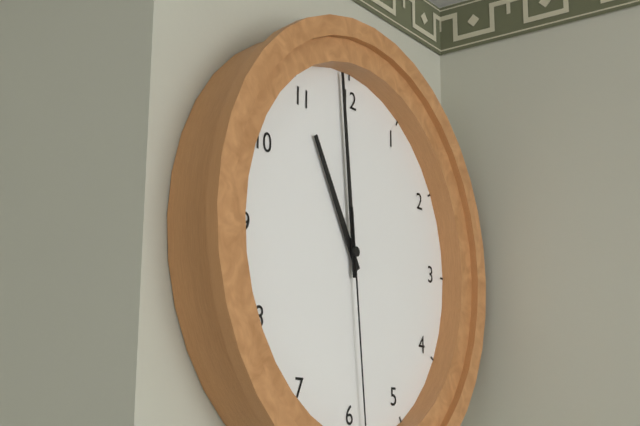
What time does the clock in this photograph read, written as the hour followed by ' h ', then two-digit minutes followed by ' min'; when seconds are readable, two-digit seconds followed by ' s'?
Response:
10 h 59 min
